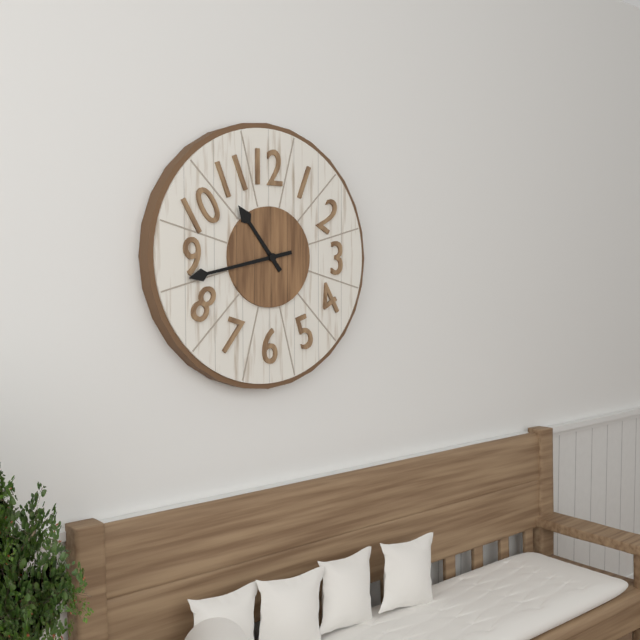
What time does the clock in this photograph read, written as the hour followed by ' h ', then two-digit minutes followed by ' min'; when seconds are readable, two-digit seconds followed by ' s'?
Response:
10 h 43 min
